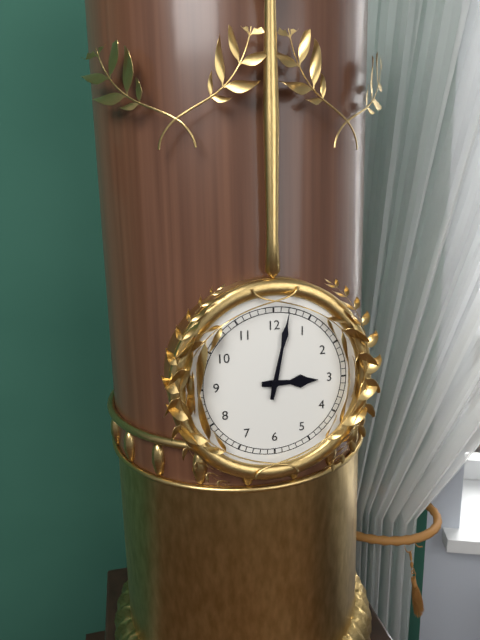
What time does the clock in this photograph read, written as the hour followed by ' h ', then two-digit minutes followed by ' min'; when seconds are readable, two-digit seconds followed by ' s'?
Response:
3 h 02 min
